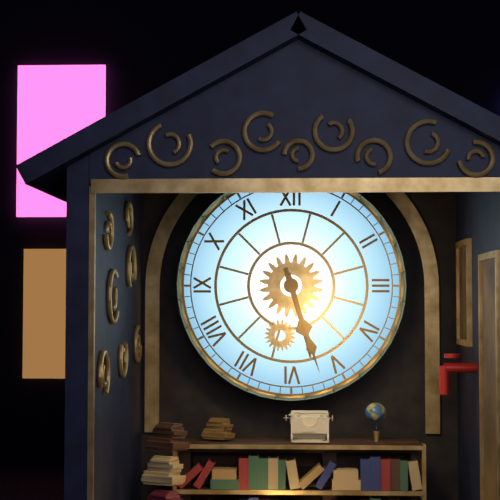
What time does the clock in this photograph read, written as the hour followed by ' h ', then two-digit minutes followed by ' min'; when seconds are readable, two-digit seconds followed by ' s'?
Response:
5 h 27 min
